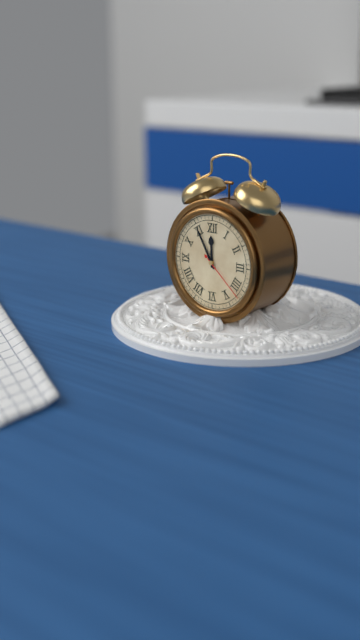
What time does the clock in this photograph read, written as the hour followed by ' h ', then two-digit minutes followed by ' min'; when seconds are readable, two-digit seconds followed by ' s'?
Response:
11 h 55 min 22 s
